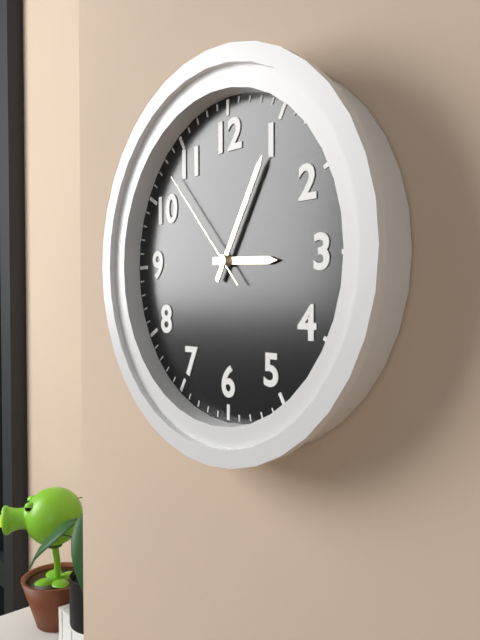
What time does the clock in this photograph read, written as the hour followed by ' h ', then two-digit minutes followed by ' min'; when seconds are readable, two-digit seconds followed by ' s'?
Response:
3 h 05 min 53 s
